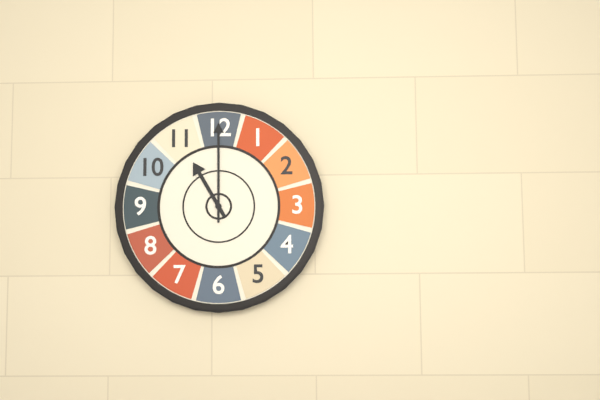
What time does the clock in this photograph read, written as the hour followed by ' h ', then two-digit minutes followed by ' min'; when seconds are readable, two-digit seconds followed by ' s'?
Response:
11 h 00 min
